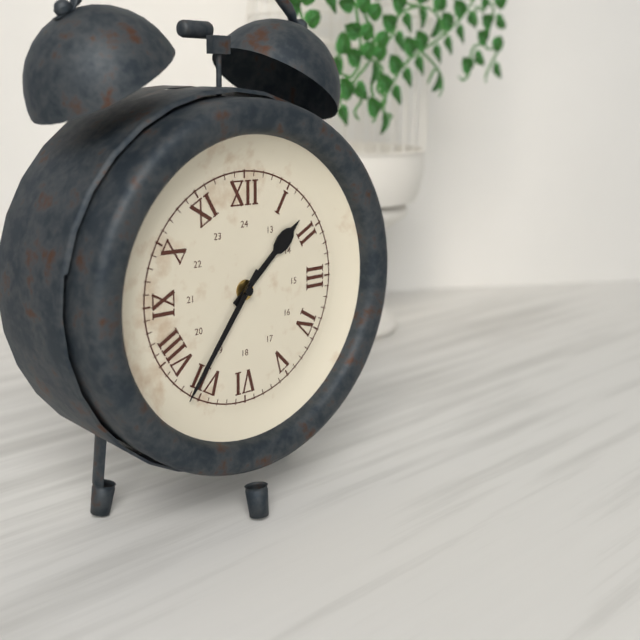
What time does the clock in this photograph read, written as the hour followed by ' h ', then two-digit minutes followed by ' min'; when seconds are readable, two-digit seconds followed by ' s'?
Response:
1 h 36 min
